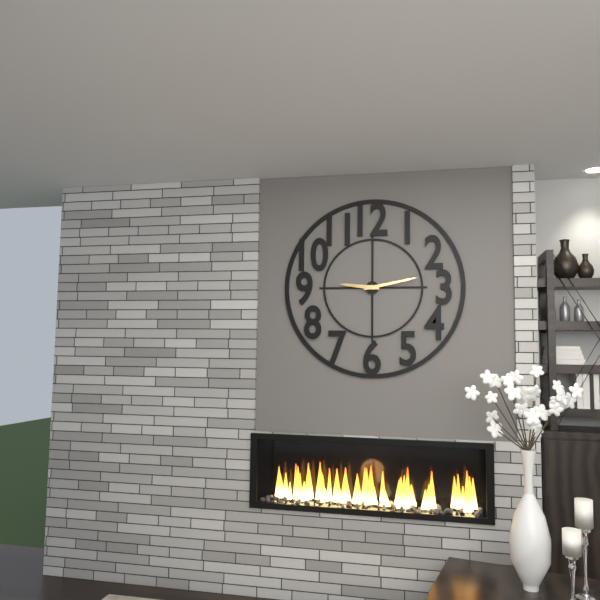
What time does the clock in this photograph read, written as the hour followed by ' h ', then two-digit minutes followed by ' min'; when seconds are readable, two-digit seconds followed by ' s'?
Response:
9 h 13 min
